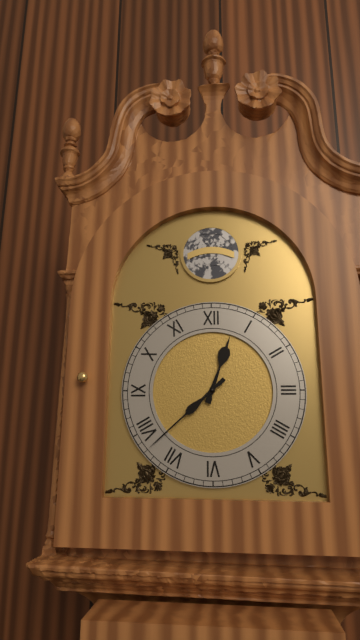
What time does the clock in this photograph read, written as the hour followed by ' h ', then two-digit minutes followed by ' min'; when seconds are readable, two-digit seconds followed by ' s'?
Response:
12 h 38 min
